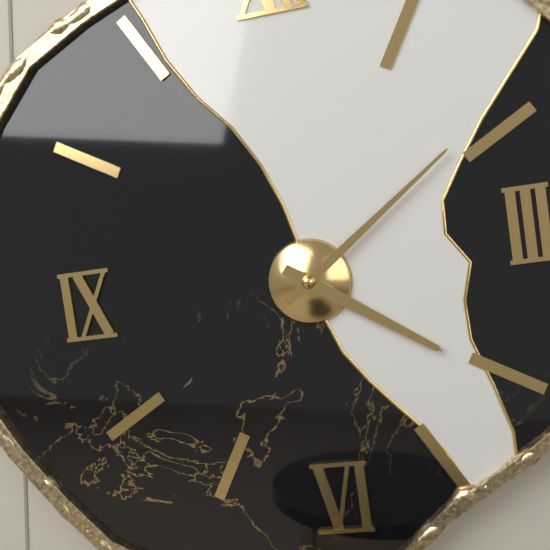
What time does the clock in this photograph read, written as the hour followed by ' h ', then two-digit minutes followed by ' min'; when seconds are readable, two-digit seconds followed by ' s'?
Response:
4 h 09 min
